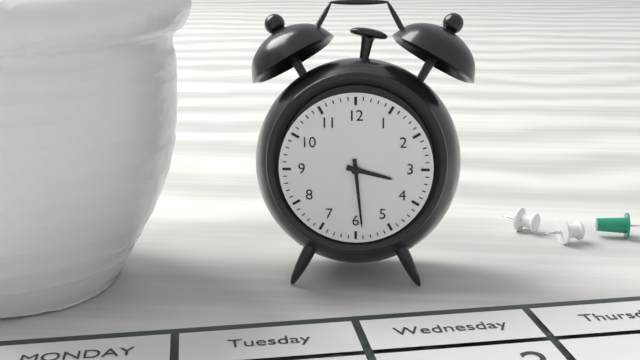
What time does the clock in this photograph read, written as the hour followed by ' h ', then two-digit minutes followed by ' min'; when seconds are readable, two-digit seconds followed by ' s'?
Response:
3 h 29 min
